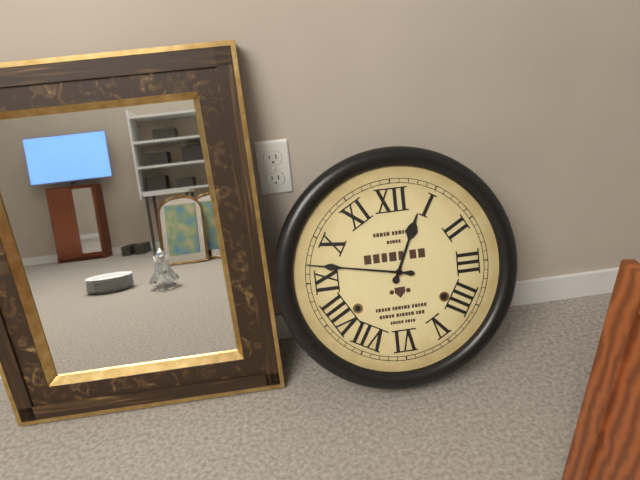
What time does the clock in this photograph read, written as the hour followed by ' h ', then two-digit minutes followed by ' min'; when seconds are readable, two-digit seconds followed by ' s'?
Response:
12 h 47 min
